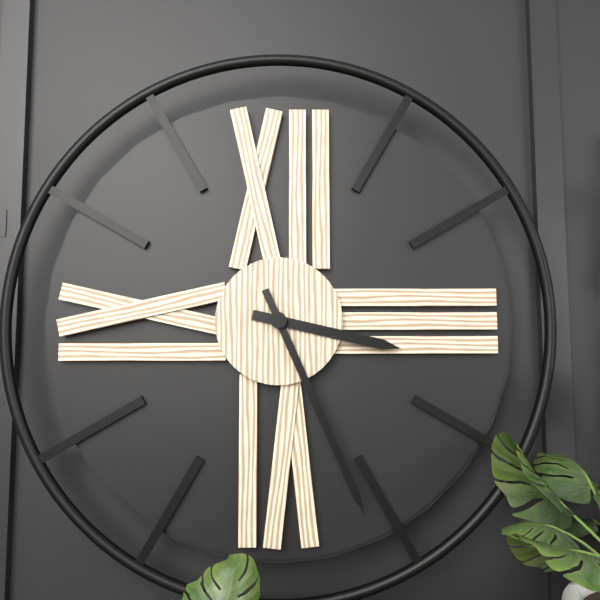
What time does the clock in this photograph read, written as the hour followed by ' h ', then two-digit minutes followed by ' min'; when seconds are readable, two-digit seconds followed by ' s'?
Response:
3 h 26 min
